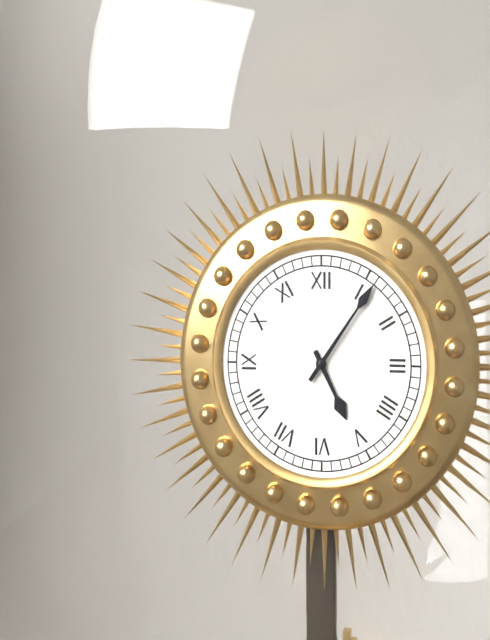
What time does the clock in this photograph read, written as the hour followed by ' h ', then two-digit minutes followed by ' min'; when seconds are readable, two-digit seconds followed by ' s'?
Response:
5 h 06 min
